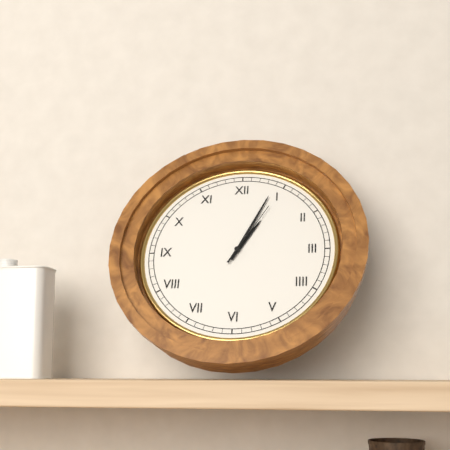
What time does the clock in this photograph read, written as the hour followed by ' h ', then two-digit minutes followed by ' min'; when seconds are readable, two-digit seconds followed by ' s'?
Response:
1 h 04 min 05 s
